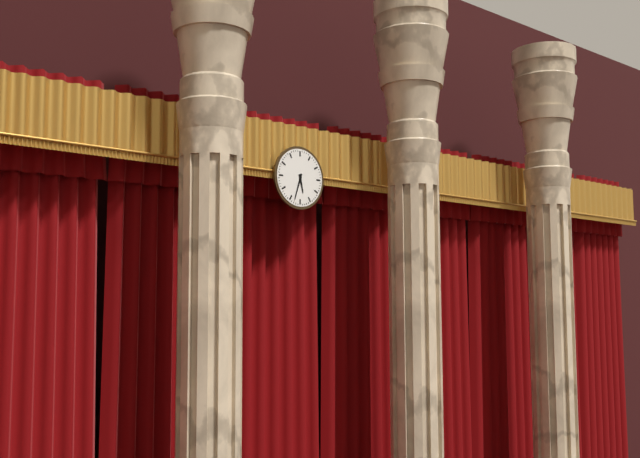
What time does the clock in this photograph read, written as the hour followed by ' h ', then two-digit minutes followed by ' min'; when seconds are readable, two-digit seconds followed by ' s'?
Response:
5 h 33 min
